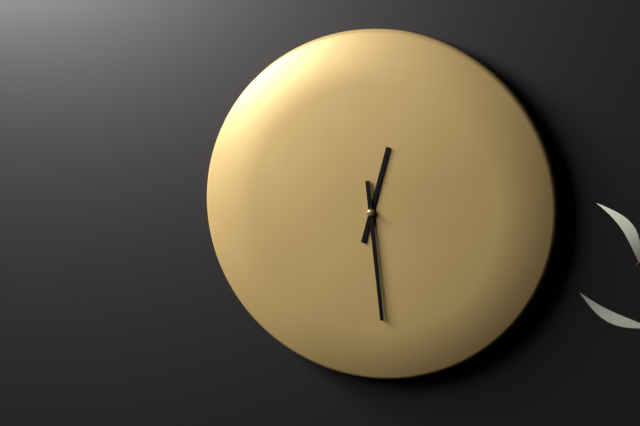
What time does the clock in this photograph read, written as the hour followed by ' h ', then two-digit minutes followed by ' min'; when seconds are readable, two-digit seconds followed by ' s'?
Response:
12 h 29 min
